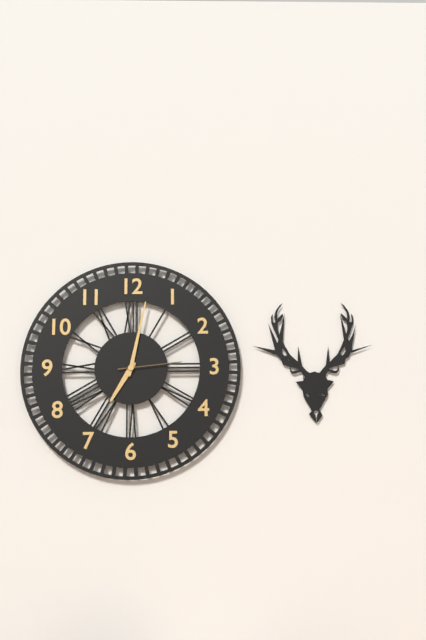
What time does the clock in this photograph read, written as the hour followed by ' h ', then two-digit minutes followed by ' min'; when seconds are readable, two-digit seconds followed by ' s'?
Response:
7 h 02 min 14 s
